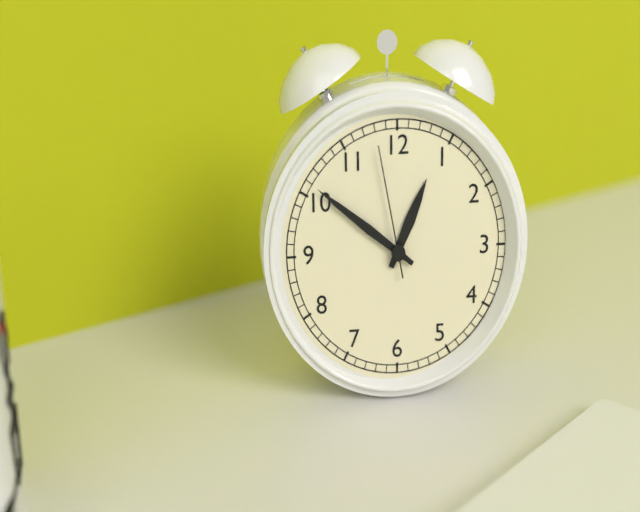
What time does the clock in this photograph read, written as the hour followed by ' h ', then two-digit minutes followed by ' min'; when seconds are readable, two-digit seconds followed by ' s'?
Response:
12 h 51 min 58 s
